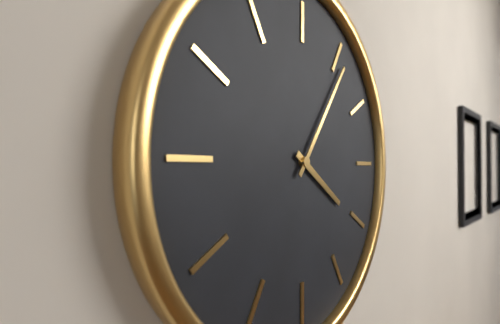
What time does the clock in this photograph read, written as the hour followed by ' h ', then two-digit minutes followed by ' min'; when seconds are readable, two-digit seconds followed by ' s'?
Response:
4 h 06 min
